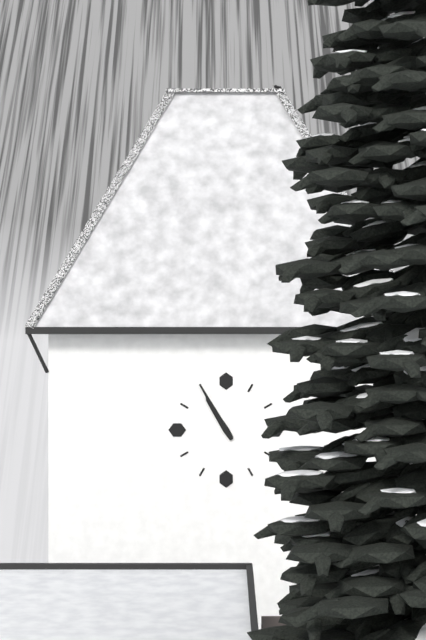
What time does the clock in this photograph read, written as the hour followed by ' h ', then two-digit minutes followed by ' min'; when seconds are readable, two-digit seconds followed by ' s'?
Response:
10 h 55 min
